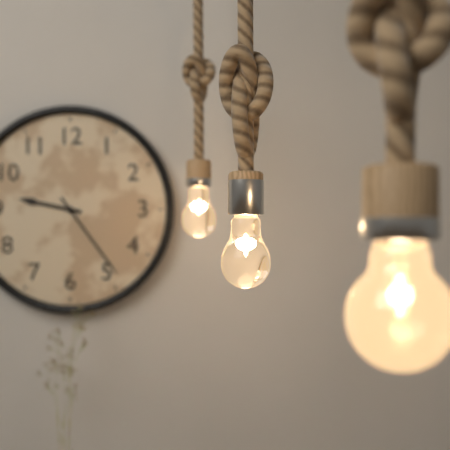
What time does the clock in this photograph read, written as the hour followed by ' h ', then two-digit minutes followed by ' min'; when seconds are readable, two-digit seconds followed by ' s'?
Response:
9 h 24 min
